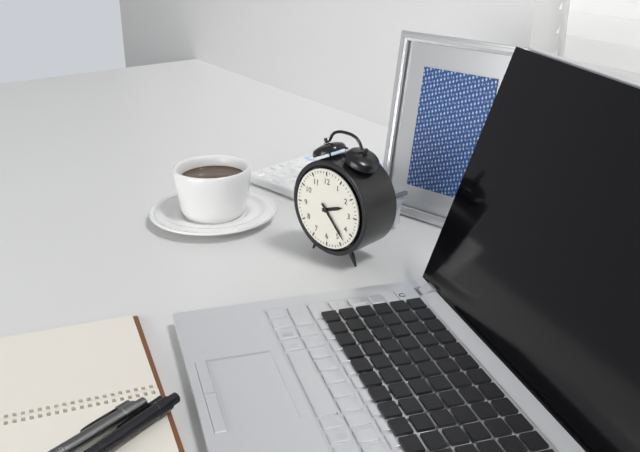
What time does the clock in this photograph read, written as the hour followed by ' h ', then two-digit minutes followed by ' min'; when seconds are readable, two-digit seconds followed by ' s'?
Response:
2 h 23 min
